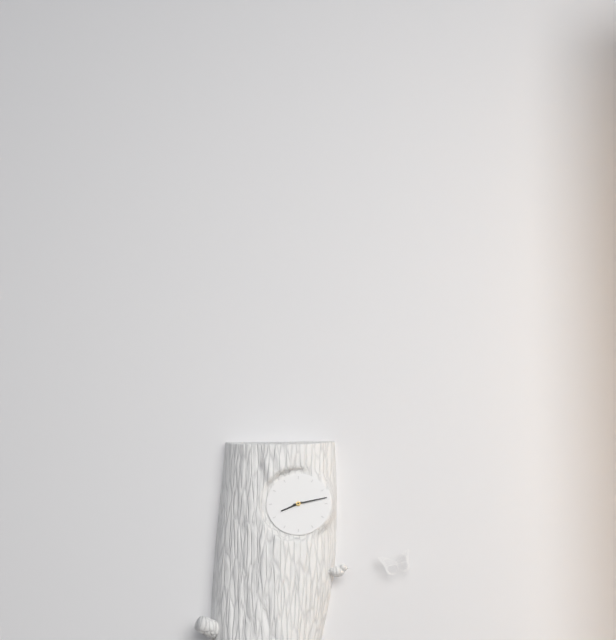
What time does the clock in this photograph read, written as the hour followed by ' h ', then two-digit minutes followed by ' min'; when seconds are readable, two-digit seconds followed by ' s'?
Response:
8 h 13 min
